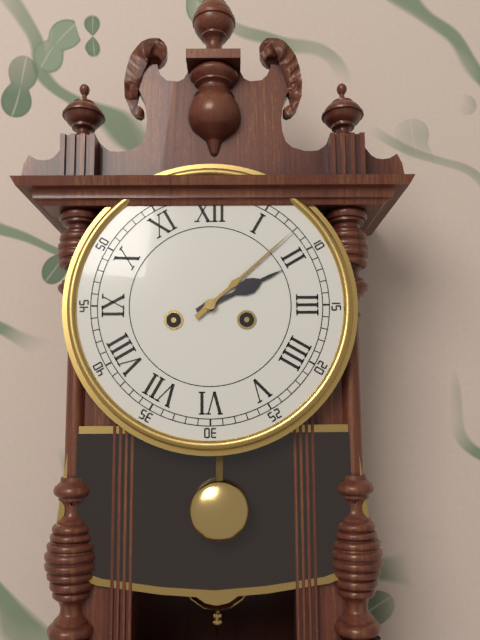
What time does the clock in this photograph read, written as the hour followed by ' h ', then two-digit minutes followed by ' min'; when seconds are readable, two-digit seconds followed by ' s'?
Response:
2 h 08 min
